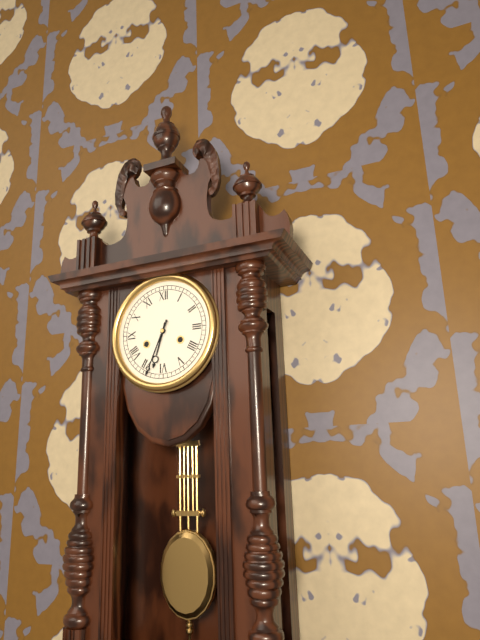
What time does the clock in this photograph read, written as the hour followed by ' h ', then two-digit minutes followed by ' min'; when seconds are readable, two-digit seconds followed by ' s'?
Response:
6 h 34 min
